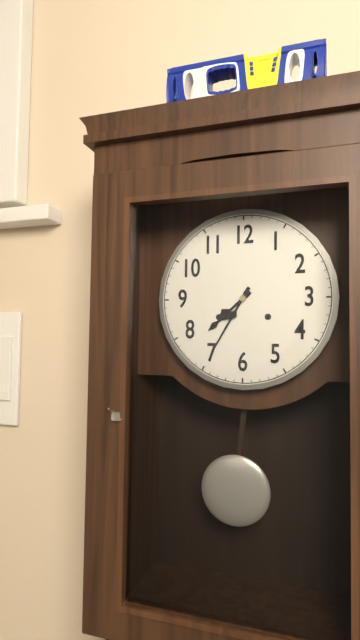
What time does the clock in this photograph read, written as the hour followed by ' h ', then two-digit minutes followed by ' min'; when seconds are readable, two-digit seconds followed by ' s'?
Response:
7 h 35 min
